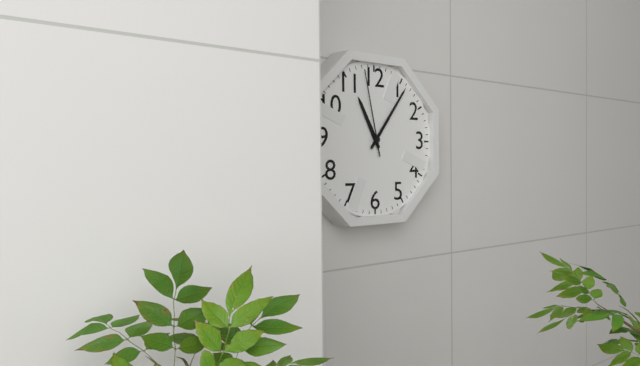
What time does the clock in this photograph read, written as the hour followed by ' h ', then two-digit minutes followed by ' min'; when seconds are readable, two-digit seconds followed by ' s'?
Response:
11 h 06 min 58 s
